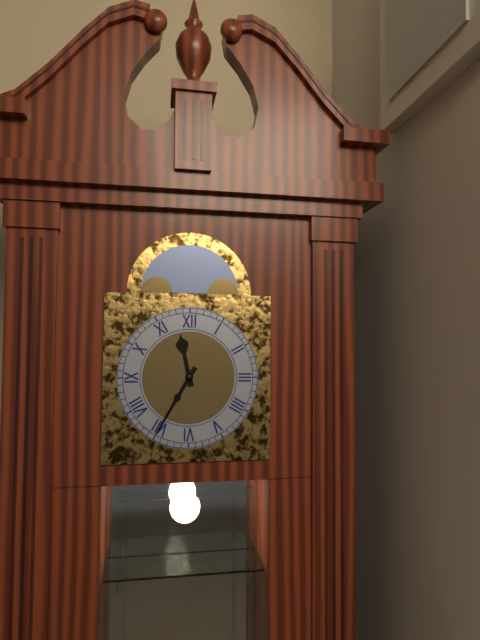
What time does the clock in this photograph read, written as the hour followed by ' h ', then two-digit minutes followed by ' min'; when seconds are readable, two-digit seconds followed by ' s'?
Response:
11 h 35 min
